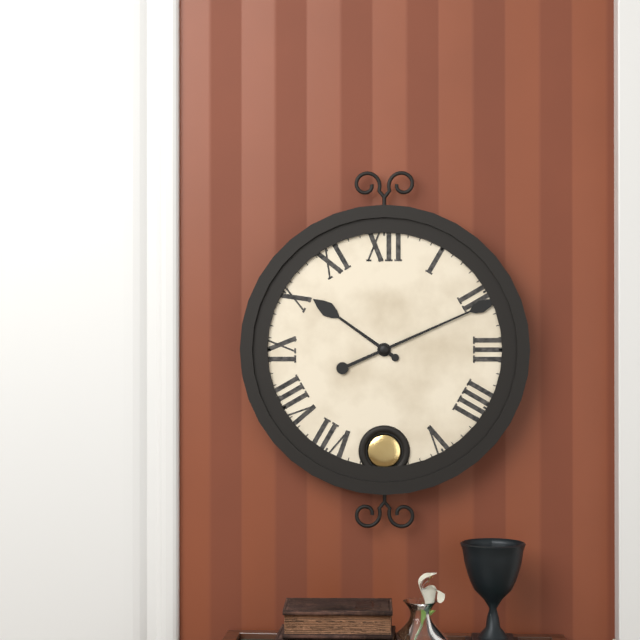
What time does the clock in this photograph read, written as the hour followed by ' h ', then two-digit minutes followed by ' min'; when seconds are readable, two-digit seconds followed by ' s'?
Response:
10 h 11 min
